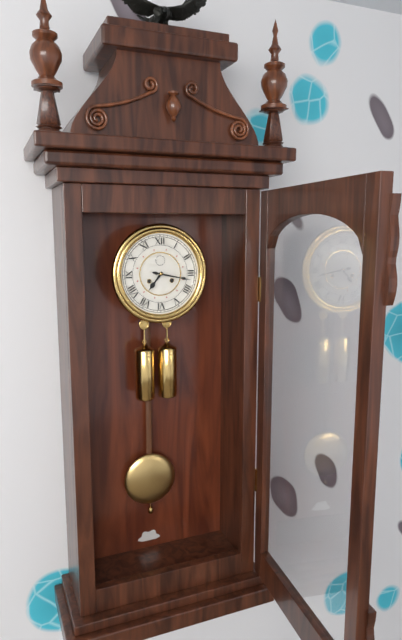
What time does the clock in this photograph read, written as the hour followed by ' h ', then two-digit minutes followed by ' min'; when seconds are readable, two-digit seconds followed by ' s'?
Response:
7 h 17 min
